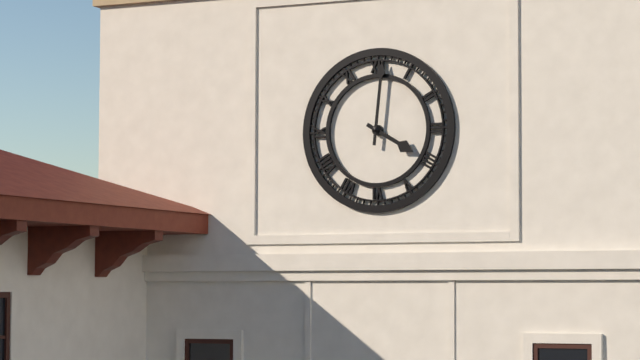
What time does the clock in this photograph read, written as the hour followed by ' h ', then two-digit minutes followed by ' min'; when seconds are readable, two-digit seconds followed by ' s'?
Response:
4 h 01 min
